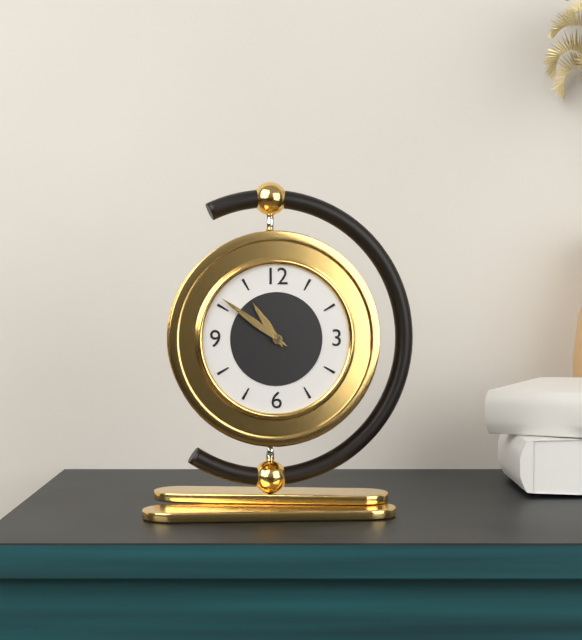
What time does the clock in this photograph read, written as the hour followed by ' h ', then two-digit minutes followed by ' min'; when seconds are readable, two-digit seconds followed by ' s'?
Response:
10 h 51 min
